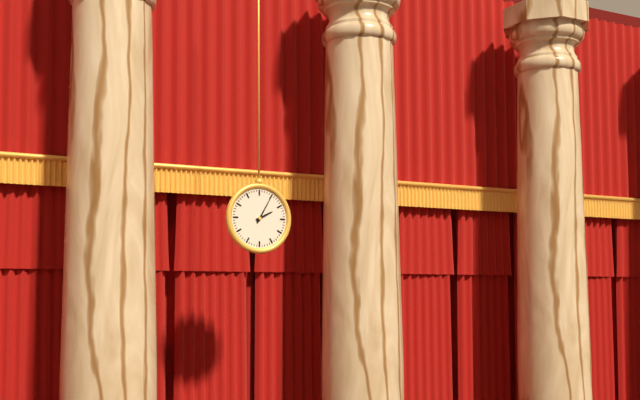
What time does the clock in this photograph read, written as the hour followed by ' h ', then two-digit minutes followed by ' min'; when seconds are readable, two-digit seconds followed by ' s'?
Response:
2 h 05 min
